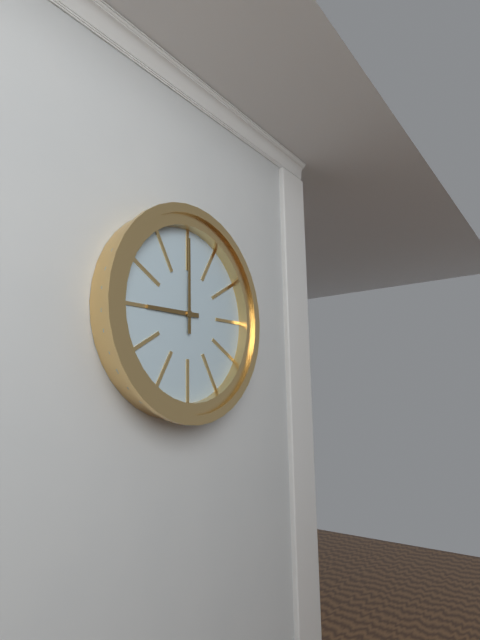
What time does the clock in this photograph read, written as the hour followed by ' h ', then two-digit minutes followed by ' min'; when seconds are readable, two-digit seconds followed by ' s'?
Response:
9 h 00 min
